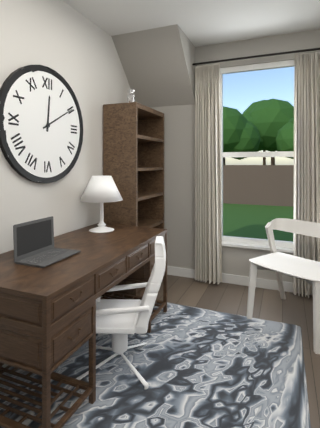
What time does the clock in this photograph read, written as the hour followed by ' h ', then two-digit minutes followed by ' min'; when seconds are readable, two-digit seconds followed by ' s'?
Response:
12 h 10 min
